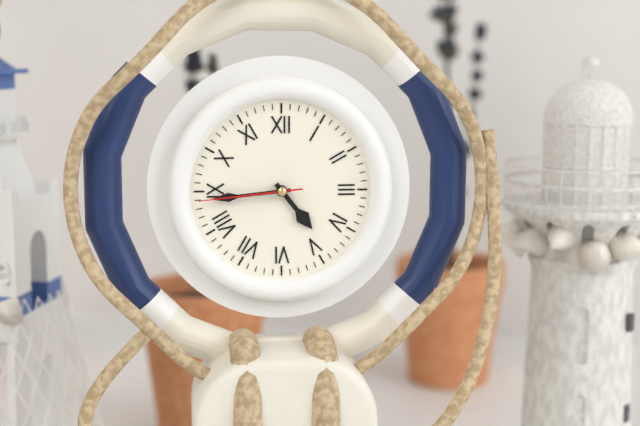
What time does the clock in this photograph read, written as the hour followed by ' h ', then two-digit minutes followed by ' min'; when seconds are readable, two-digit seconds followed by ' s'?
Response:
4 h 44 min 44 s
